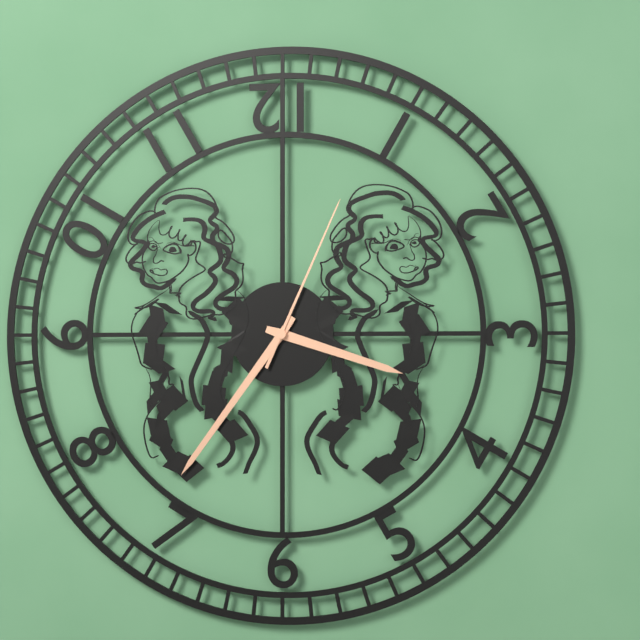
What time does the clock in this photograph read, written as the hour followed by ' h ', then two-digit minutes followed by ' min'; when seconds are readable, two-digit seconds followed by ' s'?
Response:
3 h 36 min 04 s
